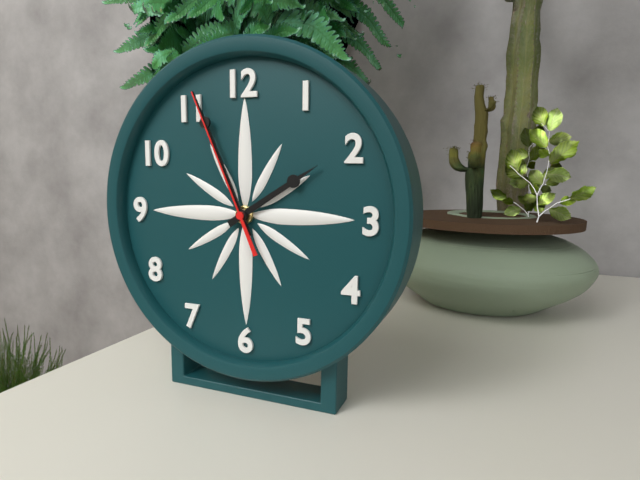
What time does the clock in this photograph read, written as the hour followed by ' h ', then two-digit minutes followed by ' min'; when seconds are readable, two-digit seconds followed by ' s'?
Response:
1 h 56 min 56 s
